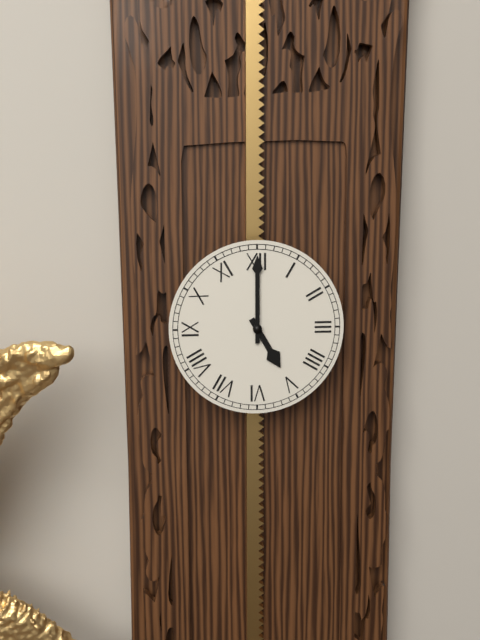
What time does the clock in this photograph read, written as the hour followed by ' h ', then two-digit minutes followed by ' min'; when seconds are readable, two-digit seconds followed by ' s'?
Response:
5 h 00 min
